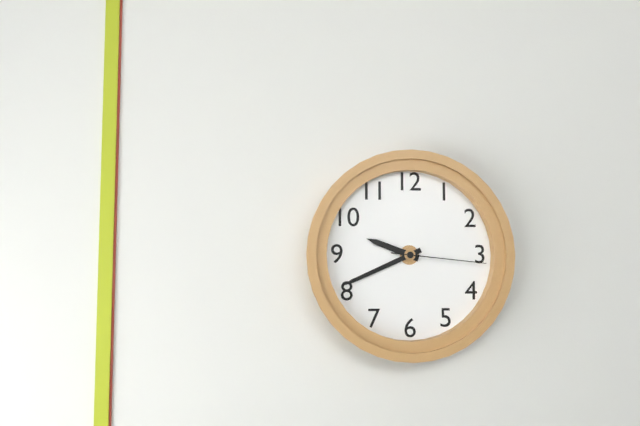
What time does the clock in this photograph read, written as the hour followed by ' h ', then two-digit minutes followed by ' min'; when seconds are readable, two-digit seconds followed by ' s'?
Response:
9 h 41 min 16 s
